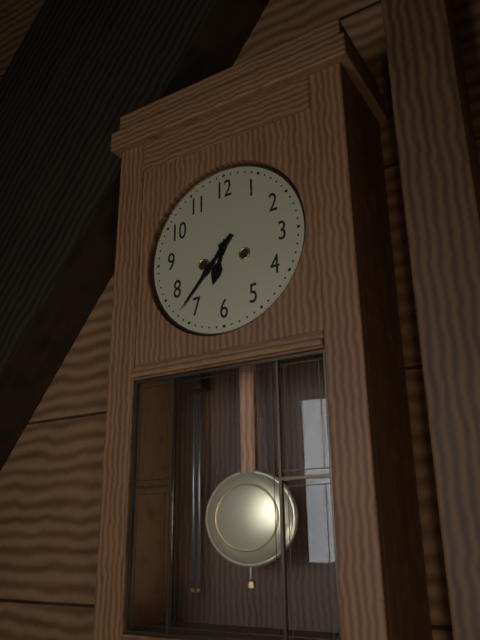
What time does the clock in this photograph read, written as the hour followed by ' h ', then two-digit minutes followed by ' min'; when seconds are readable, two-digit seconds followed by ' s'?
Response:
6 h 37 min
